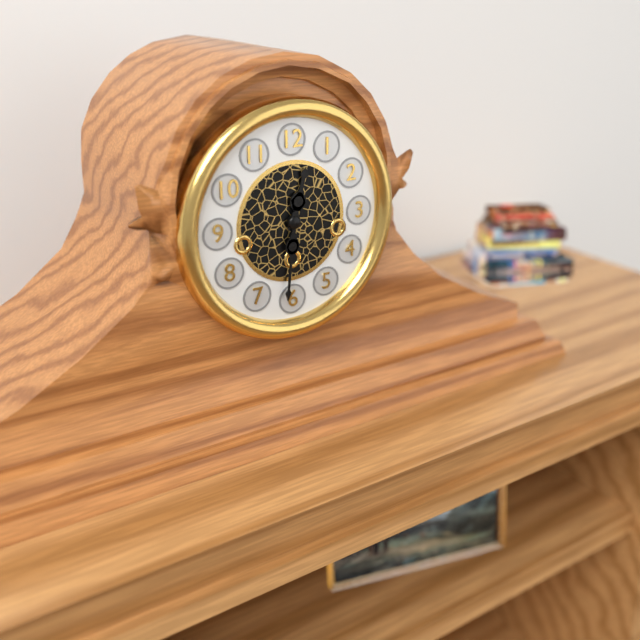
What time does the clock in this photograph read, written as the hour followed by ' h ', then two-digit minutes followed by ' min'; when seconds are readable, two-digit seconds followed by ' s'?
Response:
12 h 31 min
